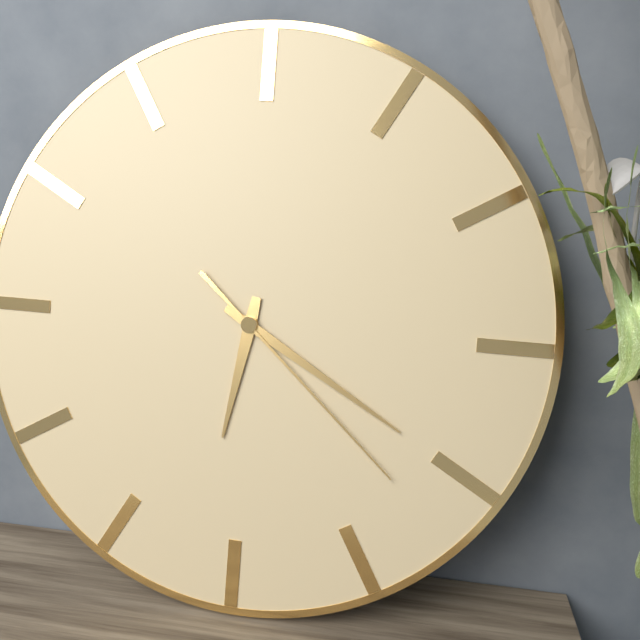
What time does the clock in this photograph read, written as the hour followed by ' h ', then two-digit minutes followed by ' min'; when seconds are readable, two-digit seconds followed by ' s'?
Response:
6 h 20 min 22 s
